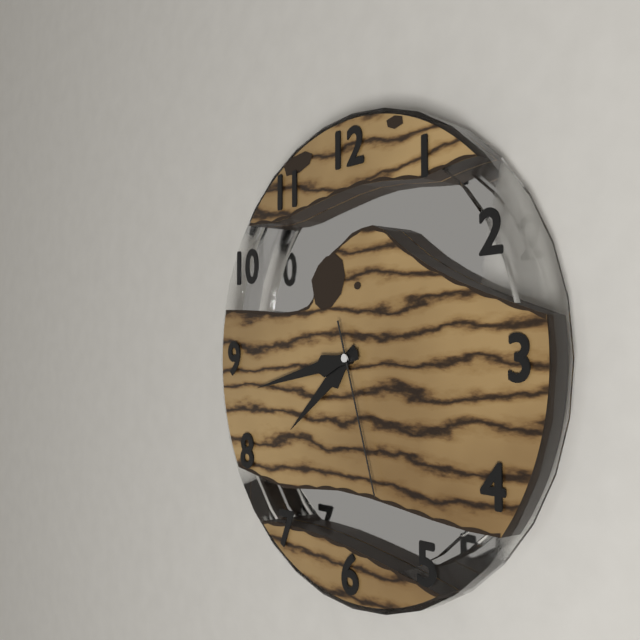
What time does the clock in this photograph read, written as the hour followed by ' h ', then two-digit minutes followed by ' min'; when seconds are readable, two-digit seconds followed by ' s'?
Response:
7 h 43 min 27 s
